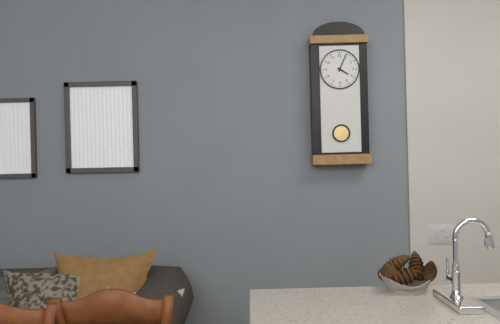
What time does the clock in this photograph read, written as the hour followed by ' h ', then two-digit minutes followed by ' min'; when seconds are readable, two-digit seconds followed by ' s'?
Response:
4 h 04 min
